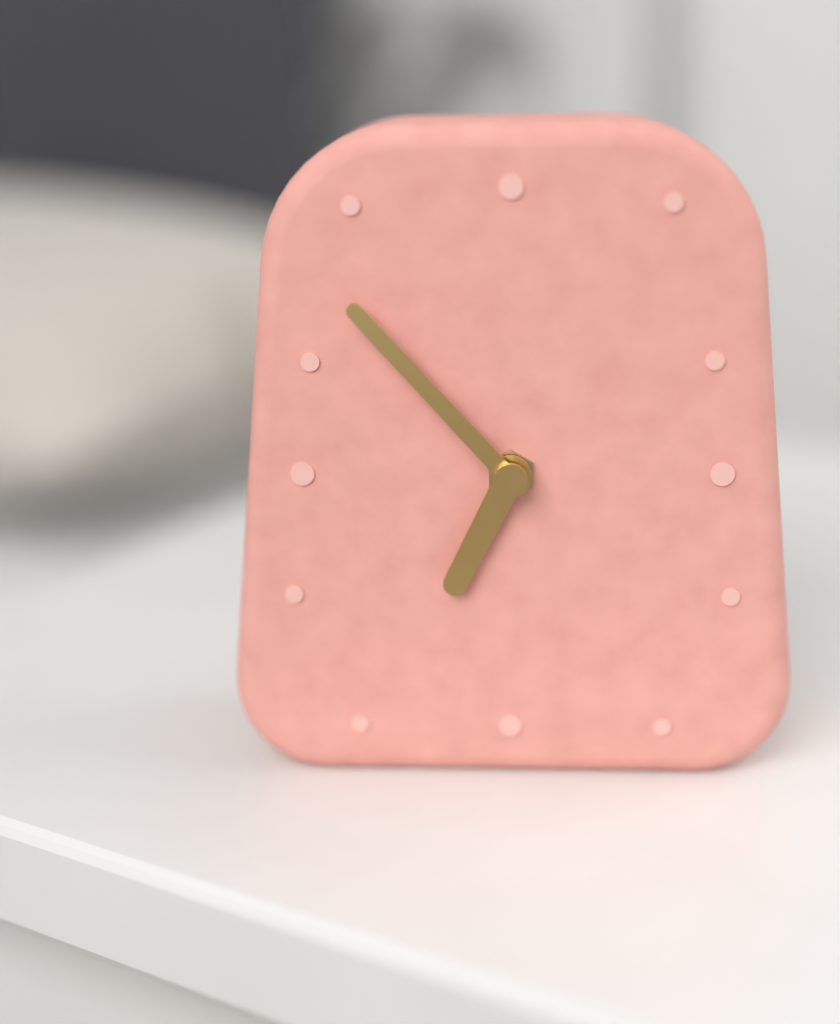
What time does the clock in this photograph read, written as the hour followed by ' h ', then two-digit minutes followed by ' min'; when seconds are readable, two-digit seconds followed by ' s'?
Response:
6 h 53 min
